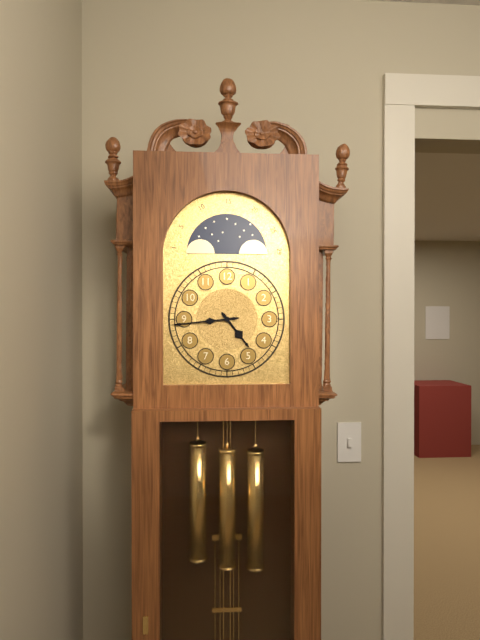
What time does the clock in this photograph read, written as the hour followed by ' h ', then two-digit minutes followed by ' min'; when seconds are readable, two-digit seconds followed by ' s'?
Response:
4 h 44 min
